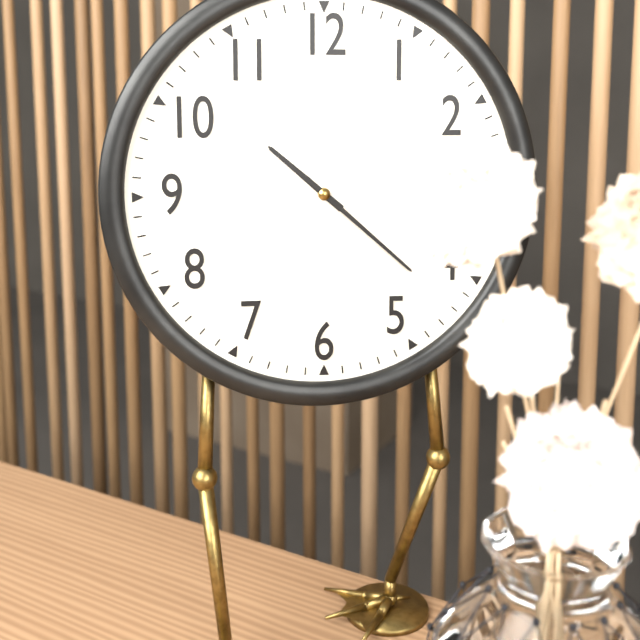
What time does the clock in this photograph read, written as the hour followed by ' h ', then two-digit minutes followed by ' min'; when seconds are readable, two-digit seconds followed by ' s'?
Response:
10 h 22 min
